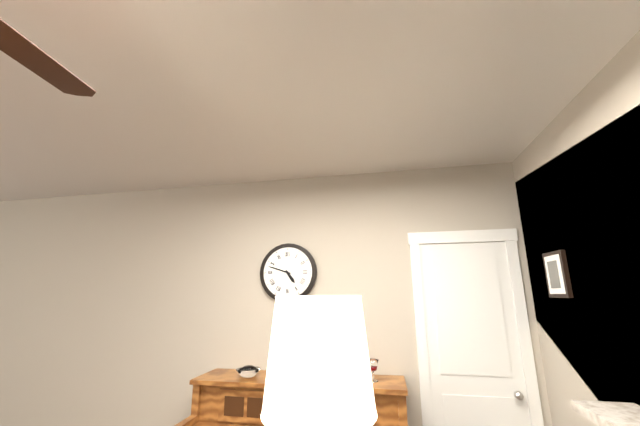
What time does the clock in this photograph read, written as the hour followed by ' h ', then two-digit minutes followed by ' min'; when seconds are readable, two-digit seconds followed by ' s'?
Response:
4 h 48 min
